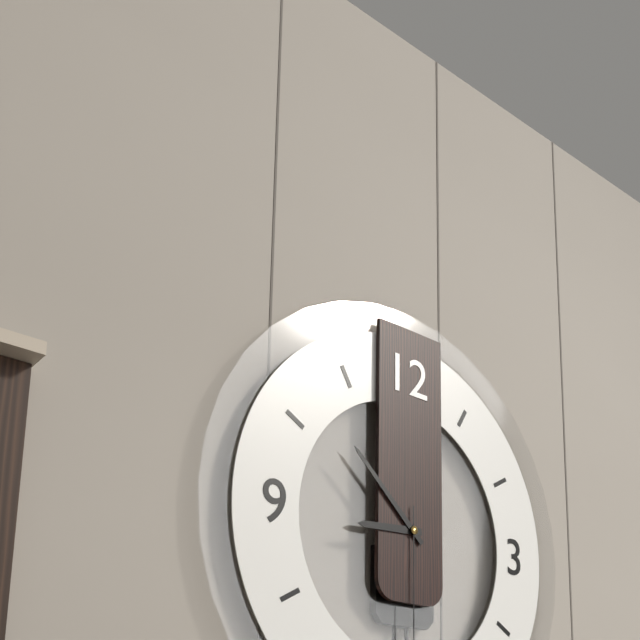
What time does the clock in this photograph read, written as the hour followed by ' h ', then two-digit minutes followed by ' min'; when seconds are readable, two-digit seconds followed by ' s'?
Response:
8 h 52 min
